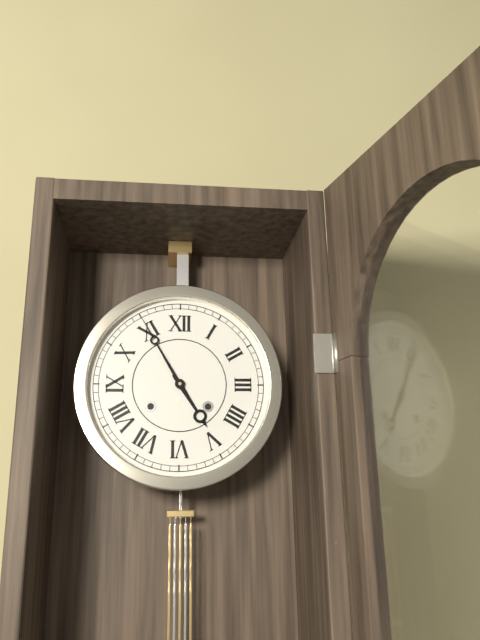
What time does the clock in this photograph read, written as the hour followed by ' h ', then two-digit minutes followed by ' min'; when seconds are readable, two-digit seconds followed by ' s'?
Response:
4 h 55 min
